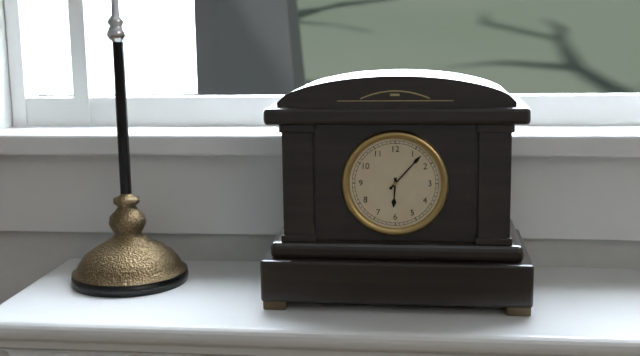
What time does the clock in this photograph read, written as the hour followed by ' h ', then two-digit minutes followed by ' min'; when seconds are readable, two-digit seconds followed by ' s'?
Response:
6 h 07 min
